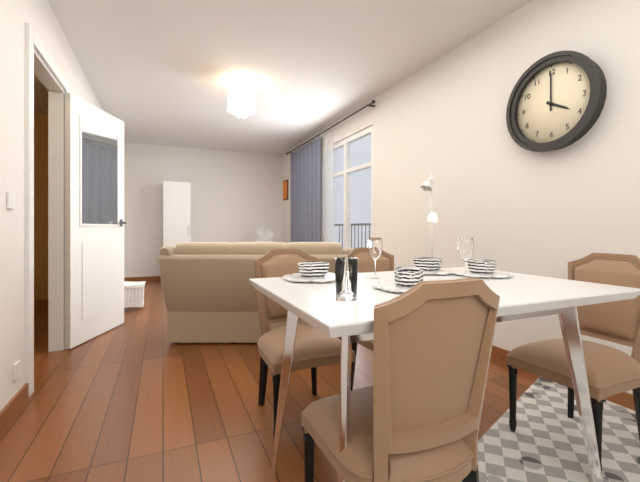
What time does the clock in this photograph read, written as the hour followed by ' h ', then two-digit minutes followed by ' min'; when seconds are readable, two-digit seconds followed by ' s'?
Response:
4 h 00 min
